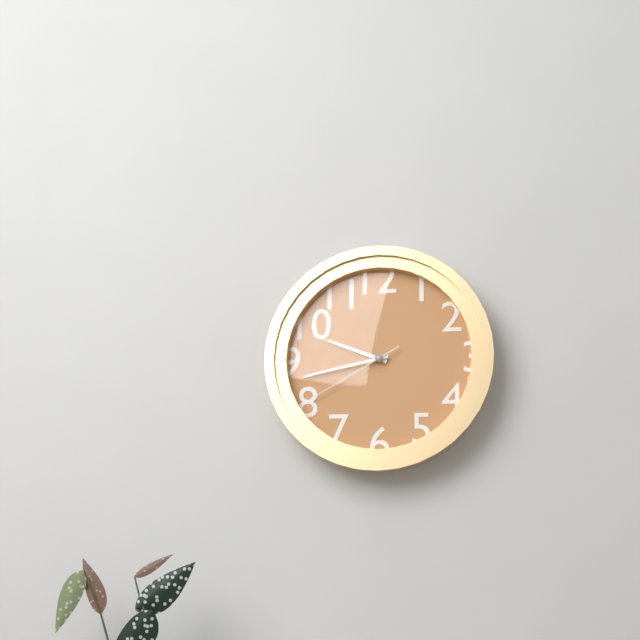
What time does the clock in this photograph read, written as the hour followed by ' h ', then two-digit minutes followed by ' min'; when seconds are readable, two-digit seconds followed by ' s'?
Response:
9 h 43 min 40 s
